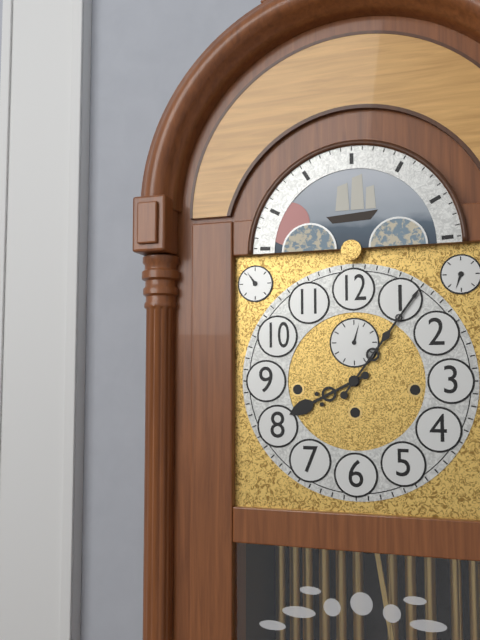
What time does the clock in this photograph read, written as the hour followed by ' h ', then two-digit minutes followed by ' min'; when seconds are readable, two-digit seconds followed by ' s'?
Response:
8 h 06 min
